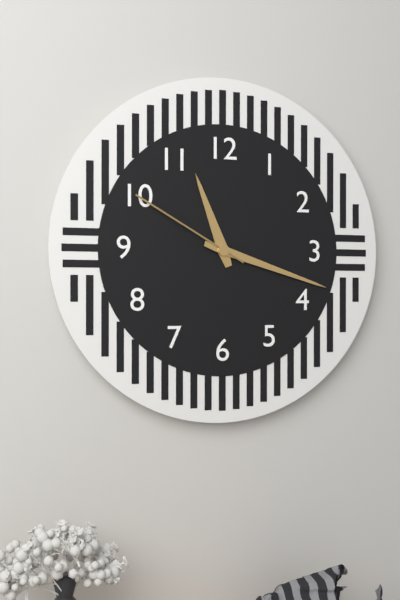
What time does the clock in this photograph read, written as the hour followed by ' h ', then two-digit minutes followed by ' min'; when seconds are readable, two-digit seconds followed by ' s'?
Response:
11 h 18 min 50 s
